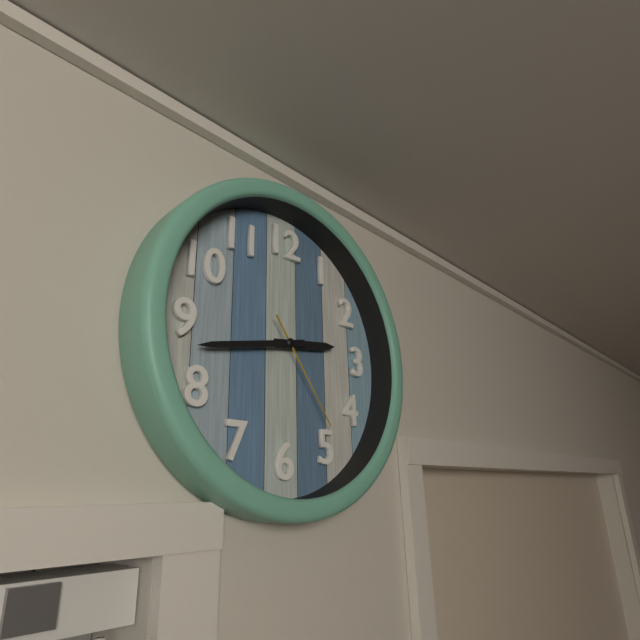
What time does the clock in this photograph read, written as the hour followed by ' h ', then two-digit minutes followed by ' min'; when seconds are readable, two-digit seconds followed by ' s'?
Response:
2 h 43 min 24 s
